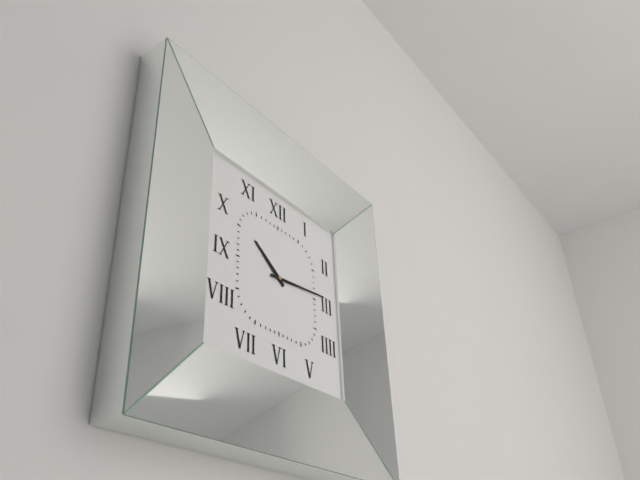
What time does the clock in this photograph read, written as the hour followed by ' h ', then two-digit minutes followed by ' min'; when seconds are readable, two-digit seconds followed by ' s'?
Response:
10 h 14 min
